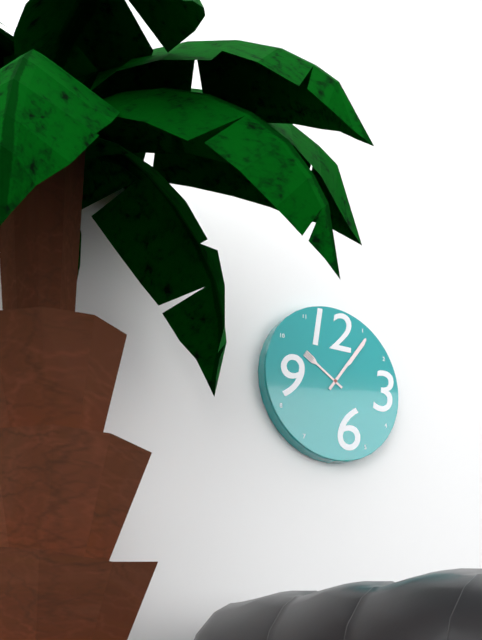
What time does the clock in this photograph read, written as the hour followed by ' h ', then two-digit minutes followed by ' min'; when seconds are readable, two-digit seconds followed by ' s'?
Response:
10 h 06 min
